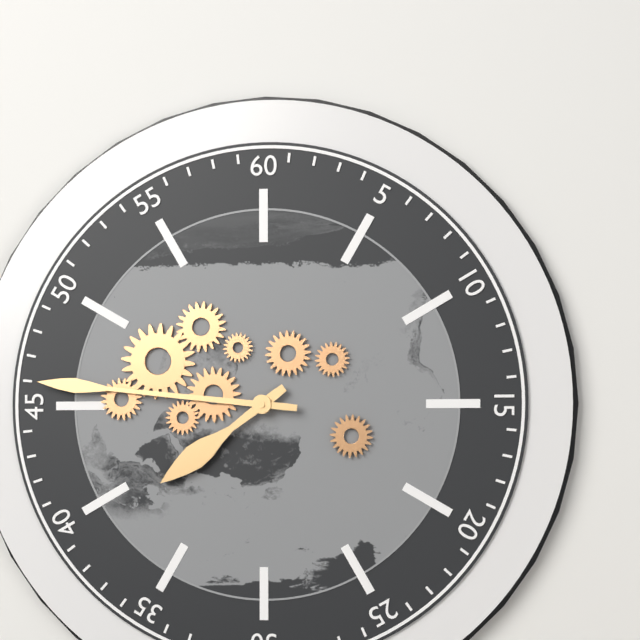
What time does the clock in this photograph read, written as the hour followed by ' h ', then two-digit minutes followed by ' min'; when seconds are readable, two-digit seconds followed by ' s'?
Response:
7 h 46 min
